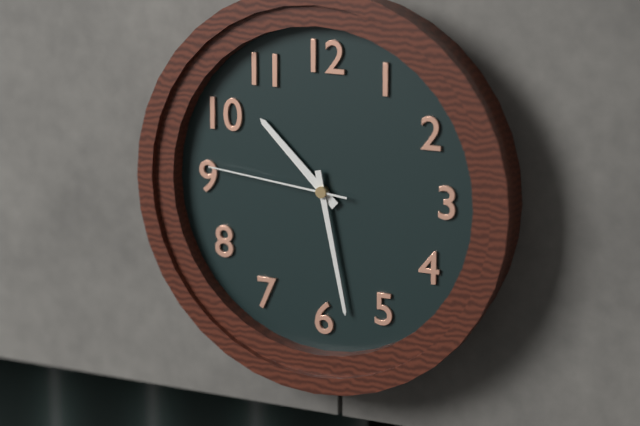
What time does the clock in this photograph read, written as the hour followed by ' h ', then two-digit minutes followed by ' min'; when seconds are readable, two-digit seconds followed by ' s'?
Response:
10 h 28 min 46 s
